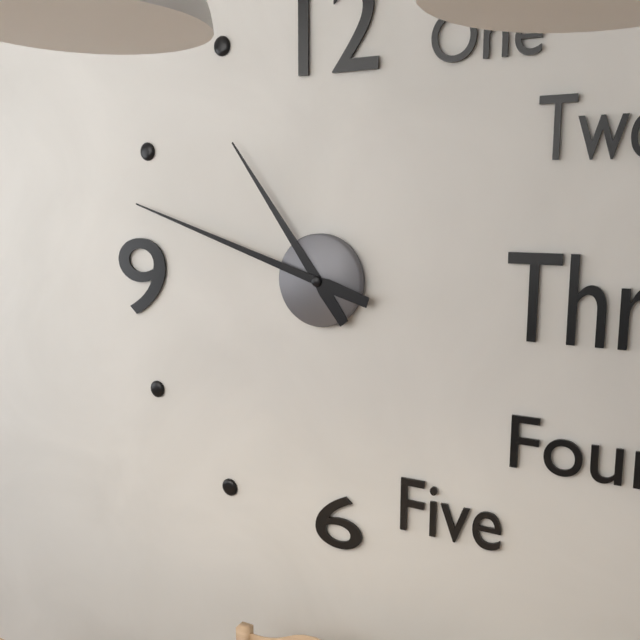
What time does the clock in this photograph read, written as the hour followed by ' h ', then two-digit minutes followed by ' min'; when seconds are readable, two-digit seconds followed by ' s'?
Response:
10 h 48 min
